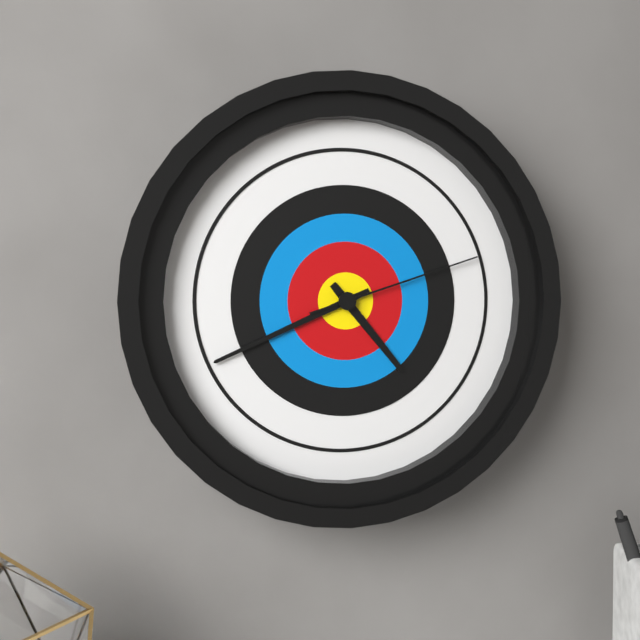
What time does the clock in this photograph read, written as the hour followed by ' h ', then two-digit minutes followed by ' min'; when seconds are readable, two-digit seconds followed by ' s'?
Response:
4 h 41 min 12 s
